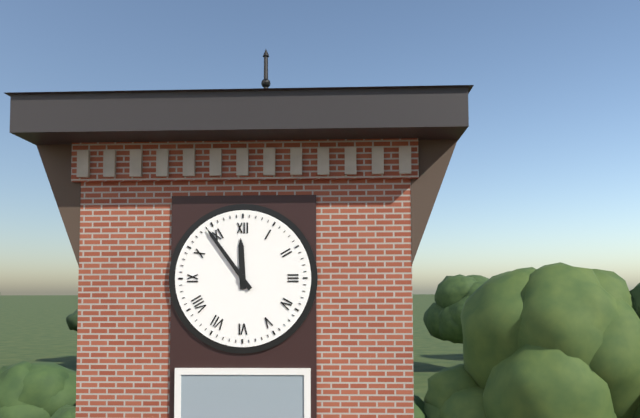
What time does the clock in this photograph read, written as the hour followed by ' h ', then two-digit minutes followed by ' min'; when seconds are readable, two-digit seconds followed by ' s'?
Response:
11 h 54 min
